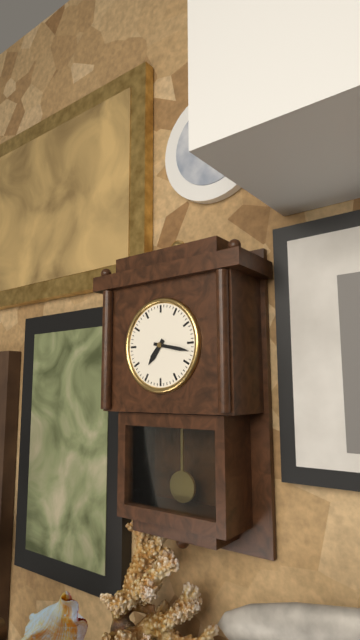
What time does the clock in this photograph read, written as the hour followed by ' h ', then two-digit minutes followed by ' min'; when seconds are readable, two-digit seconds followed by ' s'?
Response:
7 h 17 min
